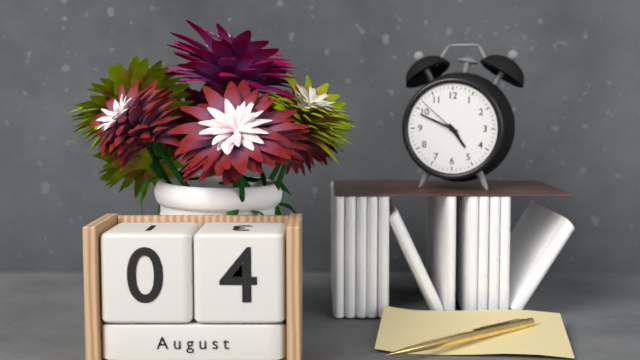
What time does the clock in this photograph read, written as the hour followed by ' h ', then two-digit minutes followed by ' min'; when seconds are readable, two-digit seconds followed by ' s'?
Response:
4 h 49 min 52 s
